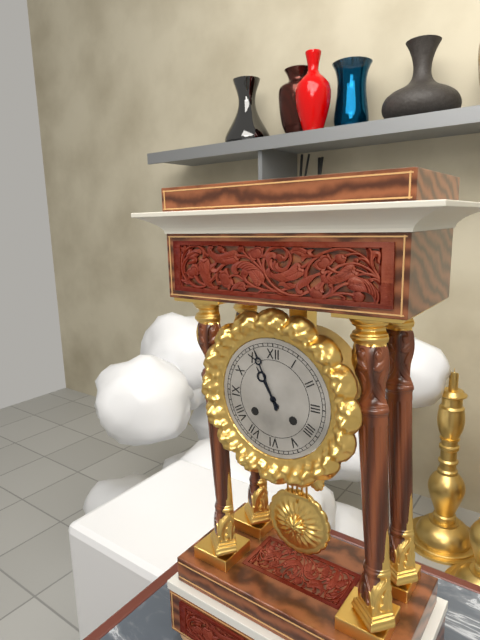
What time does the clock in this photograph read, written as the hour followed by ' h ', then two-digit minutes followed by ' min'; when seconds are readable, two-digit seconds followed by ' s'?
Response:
10 h 56 min
